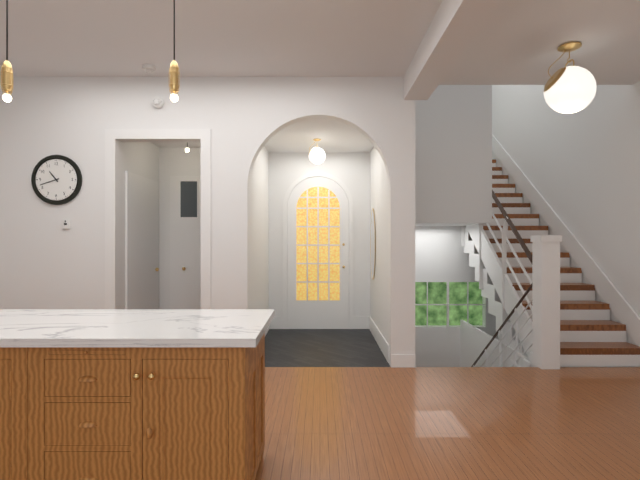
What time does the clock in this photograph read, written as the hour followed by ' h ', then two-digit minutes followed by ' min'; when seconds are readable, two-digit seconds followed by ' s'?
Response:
10 h 42 min
